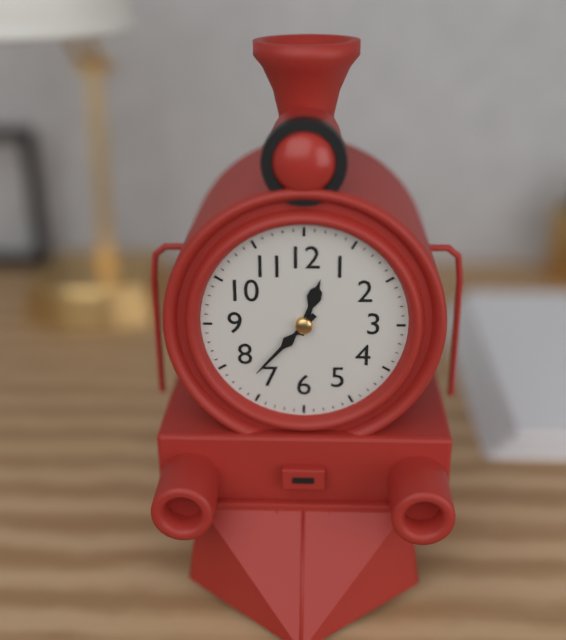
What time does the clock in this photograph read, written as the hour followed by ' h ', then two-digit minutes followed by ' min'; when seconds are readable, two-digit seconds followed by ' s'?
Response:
12 h 37 min
